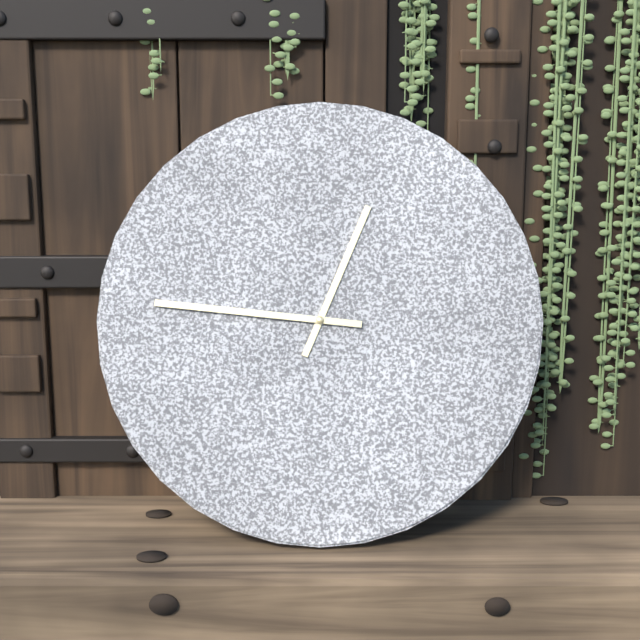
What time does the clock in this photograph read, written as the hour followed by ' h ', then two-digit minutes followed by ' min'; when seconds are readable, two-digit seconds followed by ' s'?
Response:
12 h 46 min
